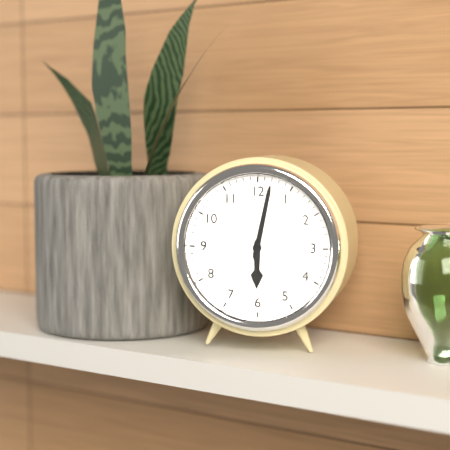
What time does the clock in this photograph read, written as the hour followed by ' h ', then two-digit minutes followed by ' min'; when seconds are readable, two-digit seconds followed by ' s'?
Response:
6 h 02 min
